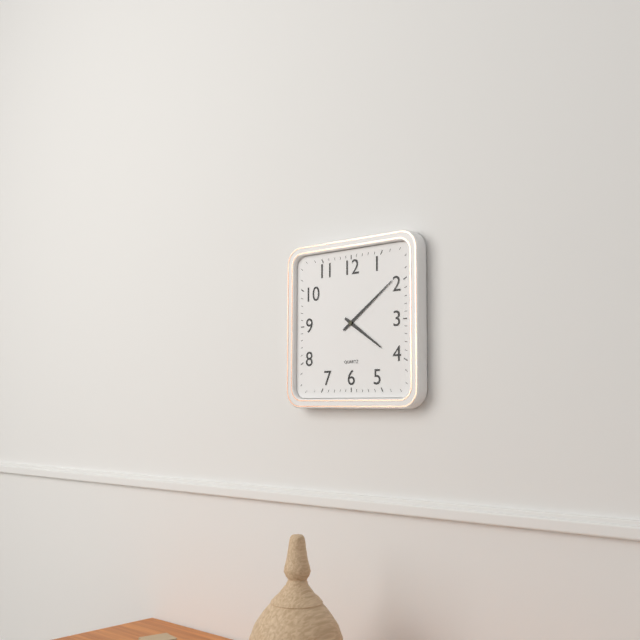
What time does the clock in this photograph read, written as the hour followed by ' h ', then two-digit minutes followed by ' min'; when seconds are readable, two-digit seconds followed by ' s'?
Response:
4 h 09 min
